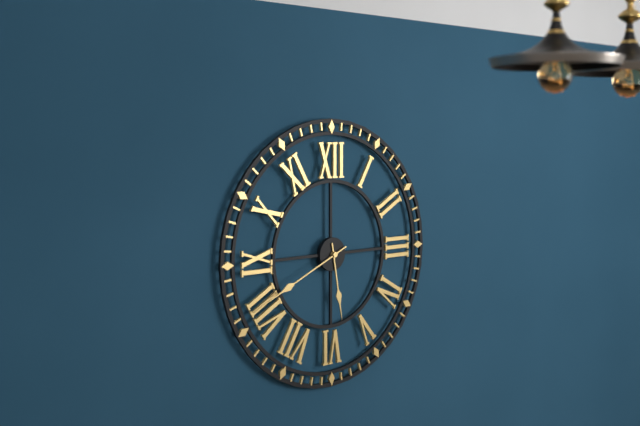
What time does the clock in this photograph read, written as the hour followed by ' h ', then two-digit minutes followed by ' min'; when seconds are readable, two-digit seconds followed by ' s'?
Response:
5 h 41 min
